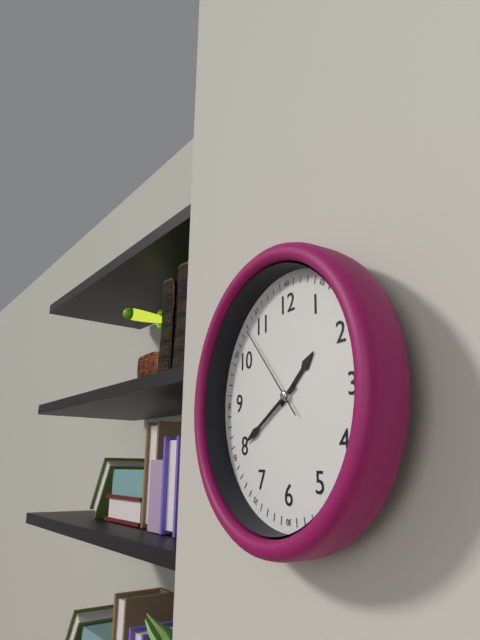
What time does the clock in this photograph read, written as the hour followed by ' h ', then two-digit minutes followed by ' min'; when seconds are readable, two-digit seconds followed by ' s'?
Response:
1 h 40 min 53 s
